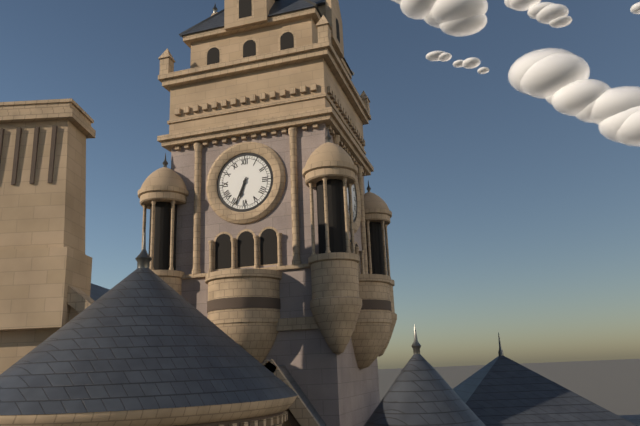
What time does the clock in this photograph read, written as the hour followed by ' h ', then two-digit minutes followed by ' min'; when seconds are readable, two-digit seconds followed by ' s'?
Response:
6 h 34 min
